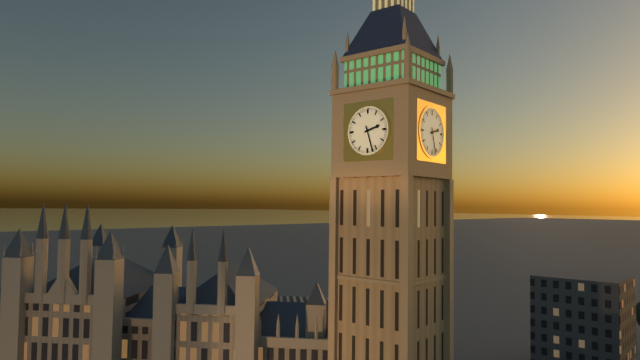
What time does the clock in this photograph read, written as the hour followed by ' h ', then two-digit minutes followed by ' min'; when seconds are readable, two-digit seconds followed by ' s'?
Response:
2 h 27 min
